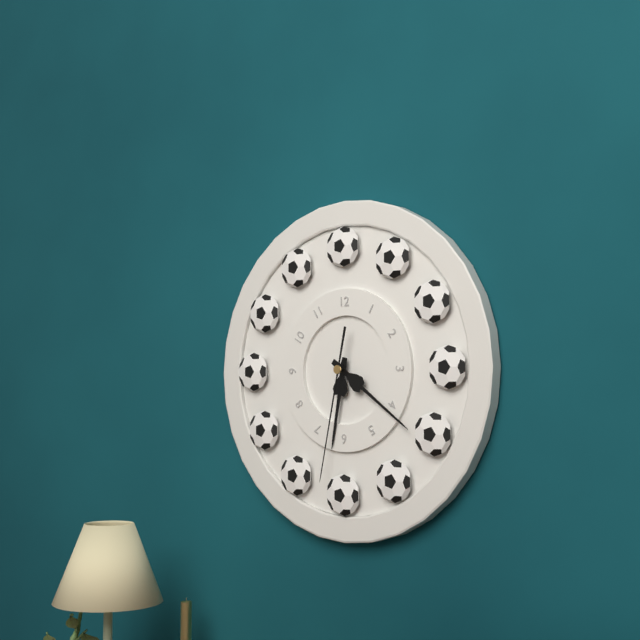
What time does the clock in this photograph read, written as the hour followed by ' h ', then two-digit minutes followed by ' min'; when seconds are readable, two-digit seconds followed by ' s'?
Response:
6 h 21 min 32 s
